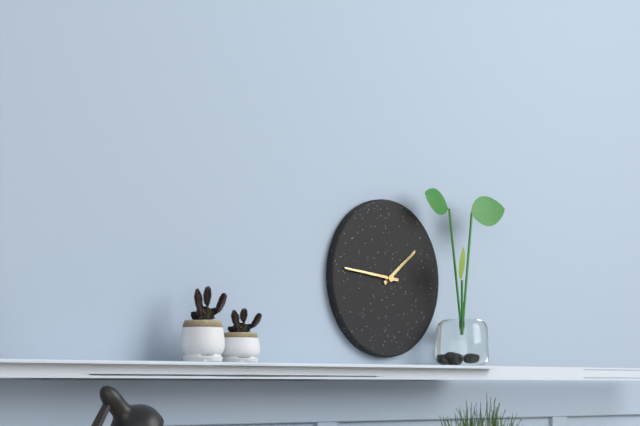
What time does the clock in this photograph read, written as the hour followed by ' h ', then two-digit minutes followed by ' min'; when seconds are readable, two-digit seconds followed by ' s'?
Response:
1 h 46 min
